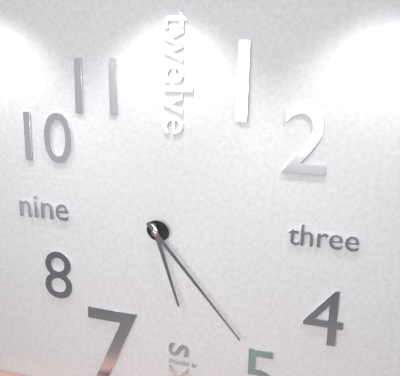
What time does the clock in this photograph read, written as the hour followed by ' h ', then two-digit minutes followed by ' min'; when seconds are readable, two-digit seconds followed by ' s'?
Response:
5 h 23 min
